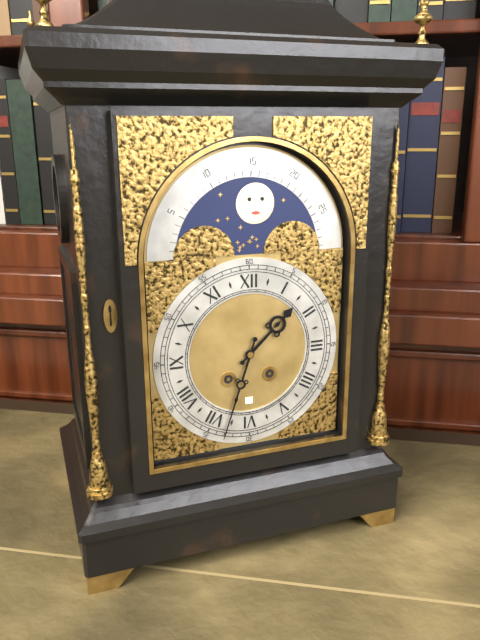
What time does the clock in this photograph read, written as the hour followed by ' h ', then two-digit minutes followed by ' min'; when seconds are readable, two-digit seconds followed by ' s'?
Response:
1 h 33 min
